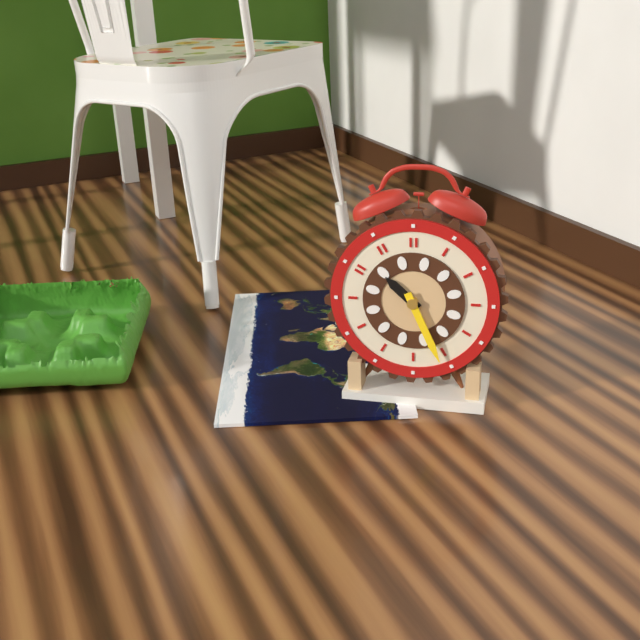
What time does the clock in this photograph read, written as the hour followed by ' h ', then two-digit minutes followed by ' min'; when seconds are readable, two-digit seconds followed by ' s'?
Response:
10 h 26 min
